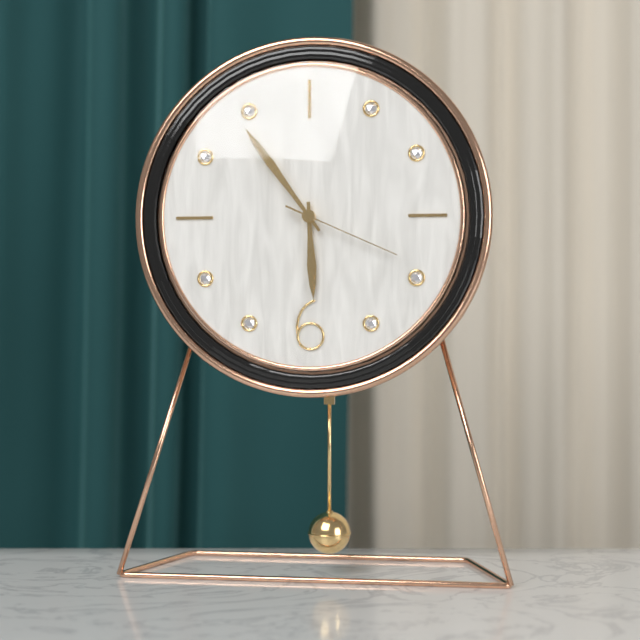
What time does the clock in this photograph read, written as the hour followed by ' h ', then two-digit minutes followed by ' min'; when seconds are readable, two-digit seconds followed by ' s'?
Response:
5 h 54 min 19 s
